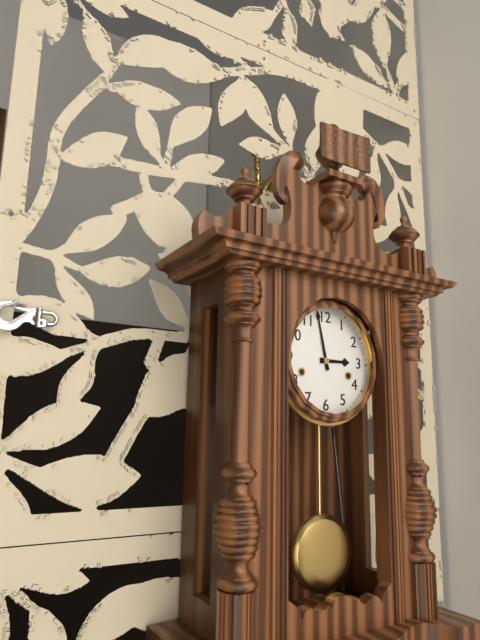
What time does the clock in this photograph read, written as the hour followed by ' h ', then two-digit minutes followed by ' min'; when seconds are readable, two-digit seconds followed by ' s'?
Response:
2 h 58 min
